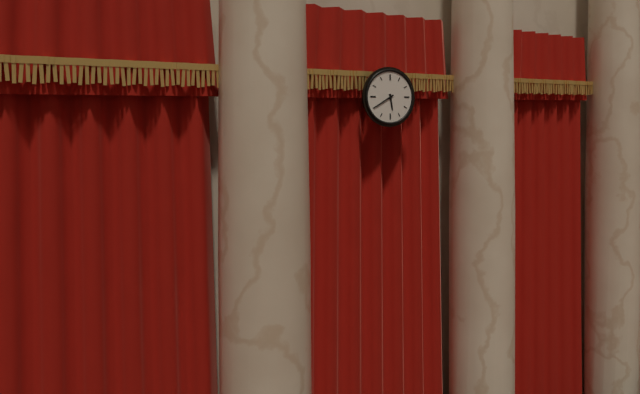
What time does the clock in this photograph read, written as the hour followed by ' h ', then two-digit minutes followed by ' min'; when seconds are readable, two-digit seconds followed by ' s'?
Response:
5 h 40 min
